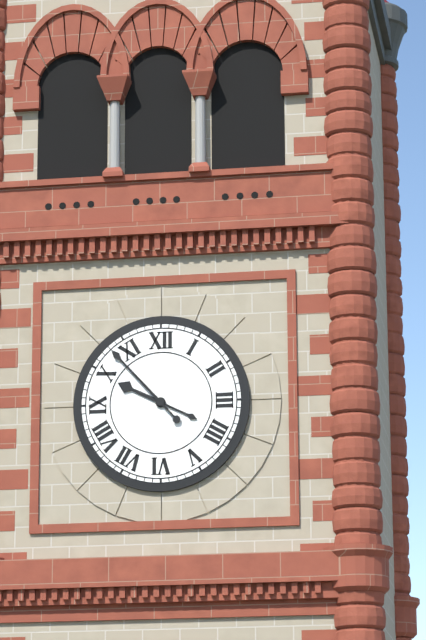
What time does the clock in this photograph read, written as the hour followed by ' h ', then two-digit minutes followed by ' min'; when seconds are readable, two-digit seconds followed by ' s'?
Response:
9 h 53 min
